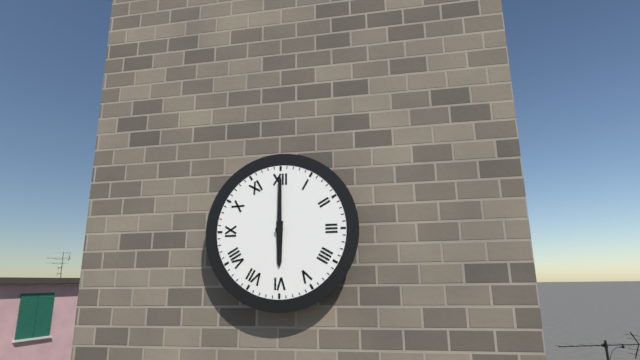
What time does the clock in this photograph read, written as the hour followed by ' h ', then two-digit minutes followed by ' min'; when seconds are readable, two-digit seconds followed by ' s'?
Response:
6 h 00 min
